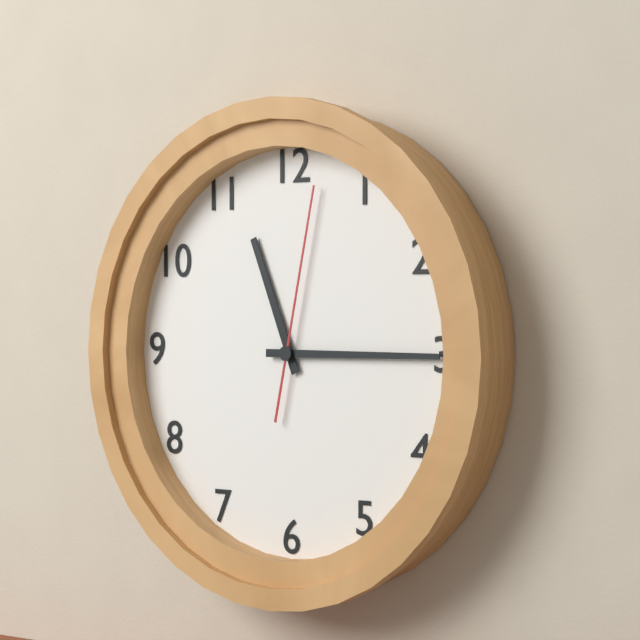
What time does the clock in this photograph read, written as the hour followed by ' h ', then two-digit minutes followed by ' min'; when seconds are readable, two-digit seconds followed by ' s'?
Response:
11 h 15 min 02 s
